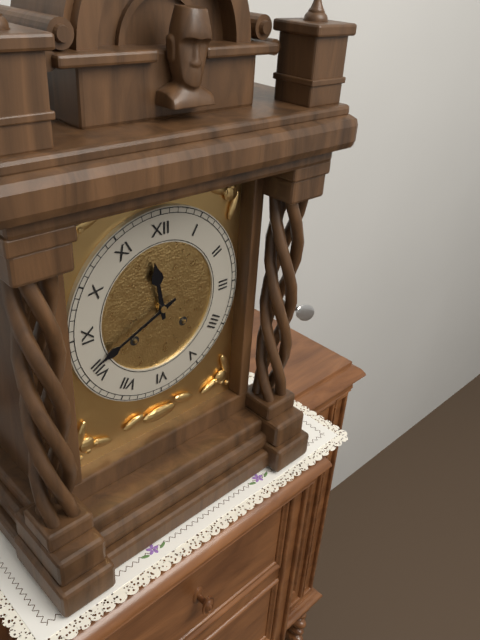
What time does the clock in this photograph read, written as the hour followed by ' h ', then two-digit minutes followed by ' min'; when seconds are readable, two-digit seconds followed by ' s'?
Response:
11 h 41 min
